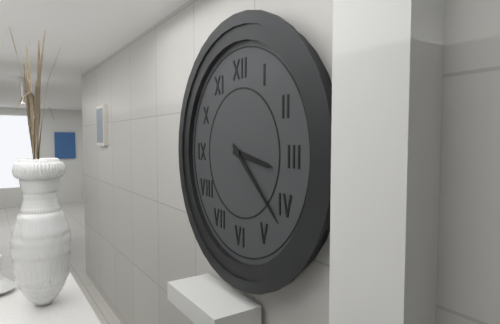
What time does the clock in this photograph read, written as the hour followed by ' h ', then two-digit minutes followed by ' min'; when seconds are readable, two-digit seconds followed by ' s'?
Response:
3 h 22 min
